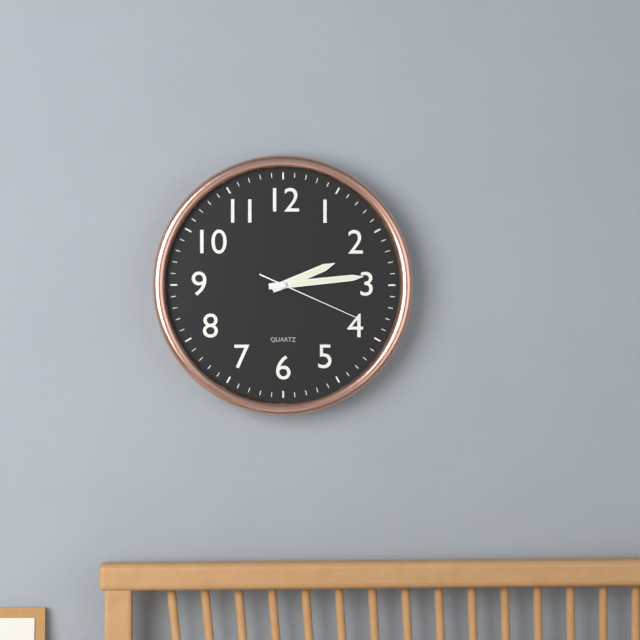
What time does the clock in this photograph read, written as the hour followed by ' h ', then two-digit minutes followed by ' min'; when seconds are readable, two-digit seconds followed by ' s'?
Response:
2 h 14 min 19 s
